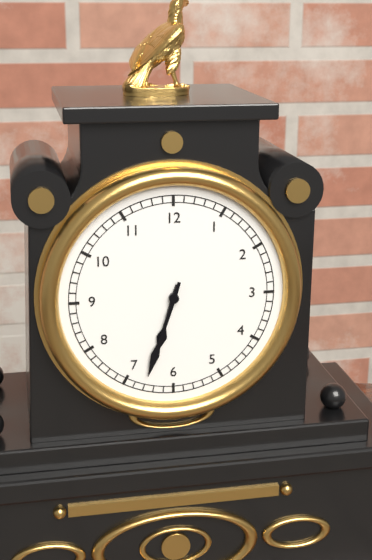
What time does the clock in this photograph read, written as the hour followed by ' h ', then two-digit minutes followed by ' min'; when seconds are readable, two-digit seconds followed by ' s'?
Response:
6 h 33 min
